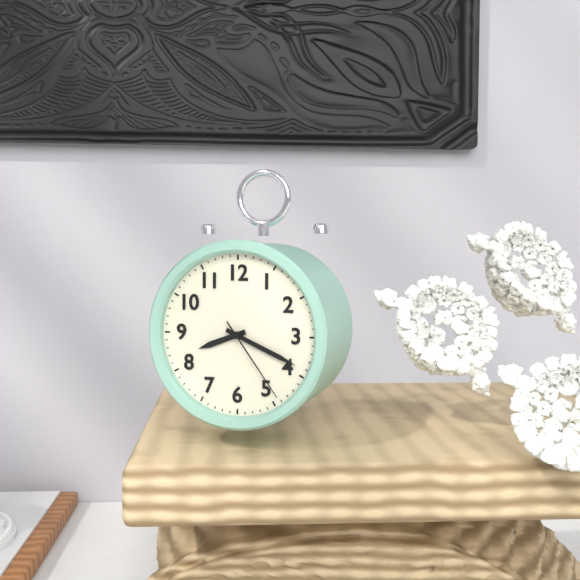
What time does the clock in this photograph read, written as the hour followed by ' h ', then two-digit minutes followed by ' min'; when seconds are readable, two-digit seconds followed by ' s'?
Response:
8 h 19 min 24 s
